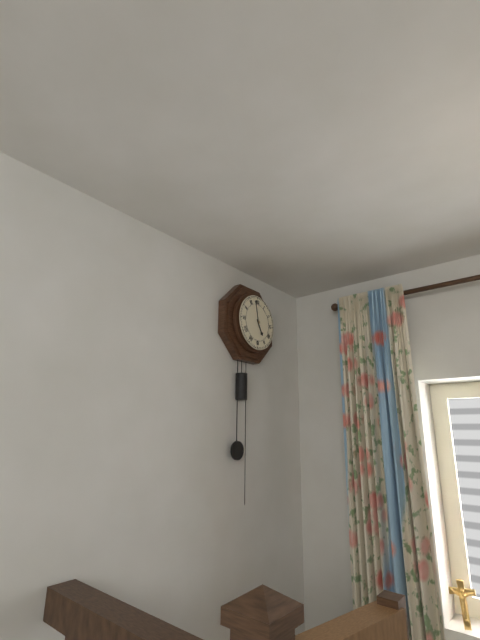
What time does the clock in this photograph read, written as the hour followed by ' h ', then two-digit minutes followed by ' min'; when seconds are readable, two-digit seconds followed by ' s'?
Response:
4 h 58 min
